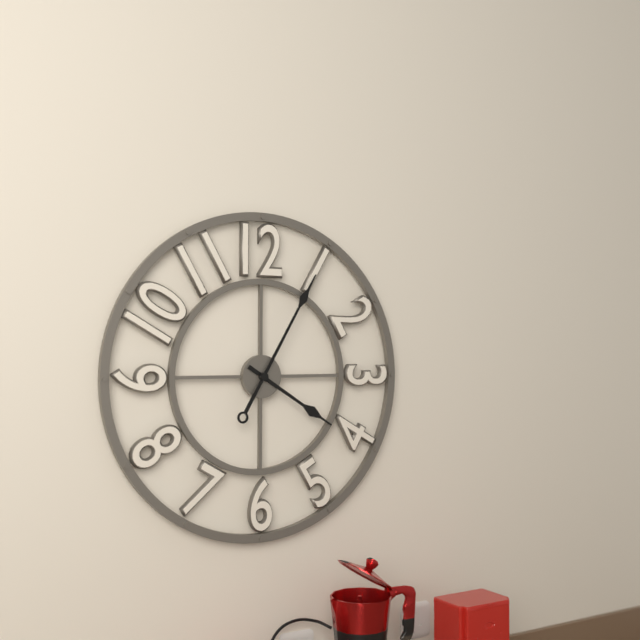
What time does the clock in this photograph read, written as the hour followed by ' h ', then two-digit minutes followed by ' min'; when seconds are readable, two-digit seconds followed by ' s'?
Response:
4 h 05 min
